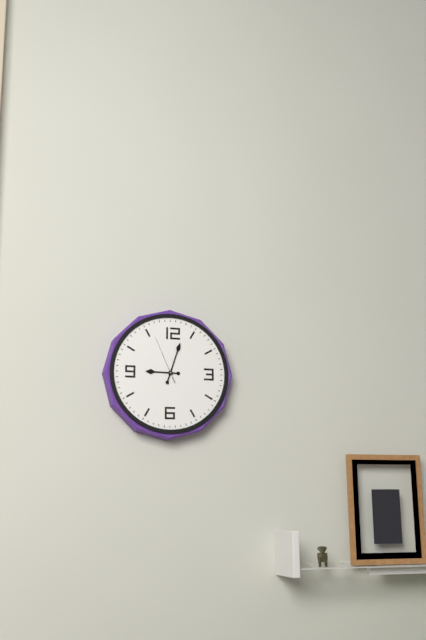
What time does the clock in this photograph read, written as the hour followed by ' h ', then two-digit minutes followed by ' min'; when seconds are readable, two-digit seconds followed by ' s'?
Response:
9 h 03 min
